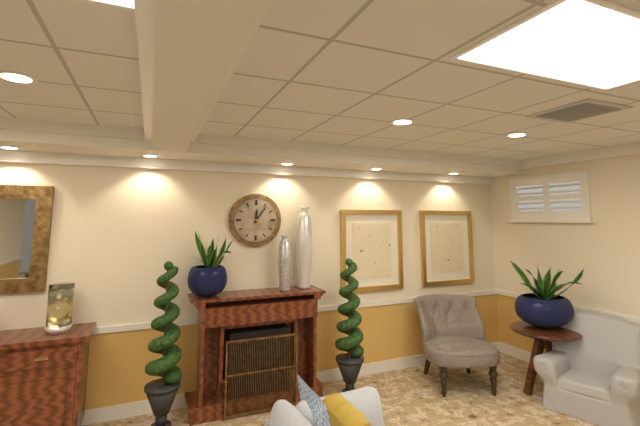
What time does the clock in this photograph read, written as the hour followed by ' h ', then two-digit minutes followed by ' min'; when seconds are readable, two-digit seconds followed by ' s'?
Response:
12 h 06 min
